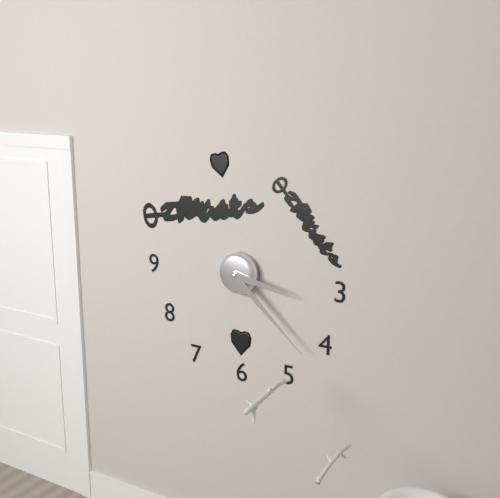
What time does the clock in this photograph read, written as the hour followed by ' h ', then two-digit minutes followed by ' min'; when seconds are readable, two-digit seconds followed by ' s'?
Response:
3 h 22 min
